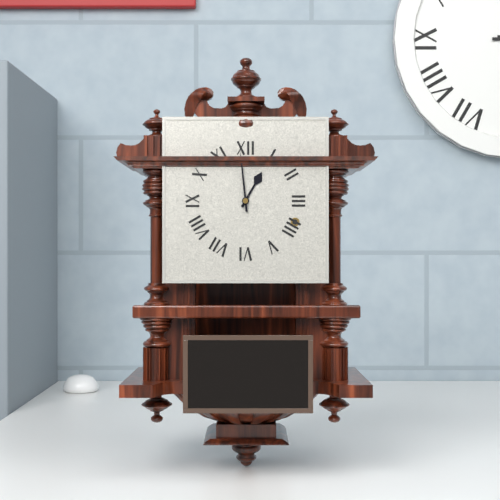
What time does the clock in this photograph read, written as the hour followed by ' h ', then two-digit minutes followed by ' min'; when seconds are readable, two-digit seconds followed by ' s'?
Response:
12 h 59 min
